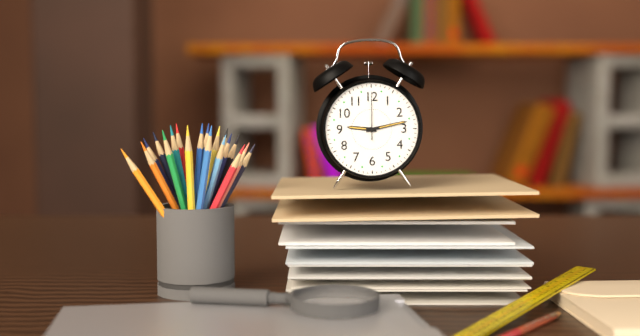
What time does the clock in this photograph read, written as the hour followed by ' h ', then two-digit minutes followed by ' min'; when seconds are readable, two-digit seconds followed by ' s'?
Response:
9 h 13 min
